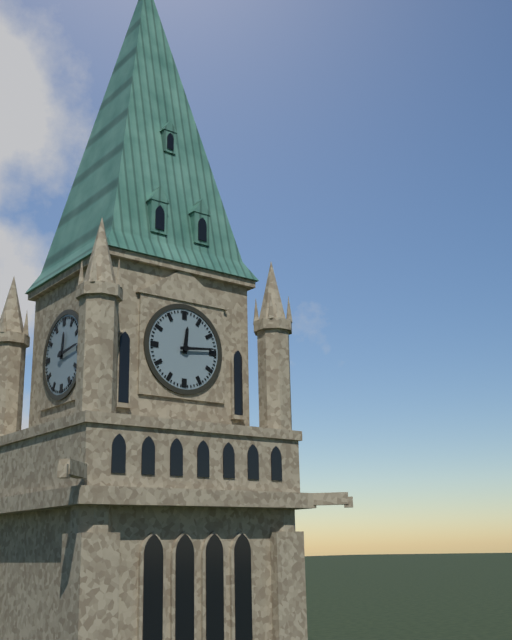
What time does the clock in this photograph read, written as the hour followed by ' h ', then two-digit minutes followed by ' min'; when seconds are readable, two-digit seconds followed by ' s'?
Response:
12 h 14 min
